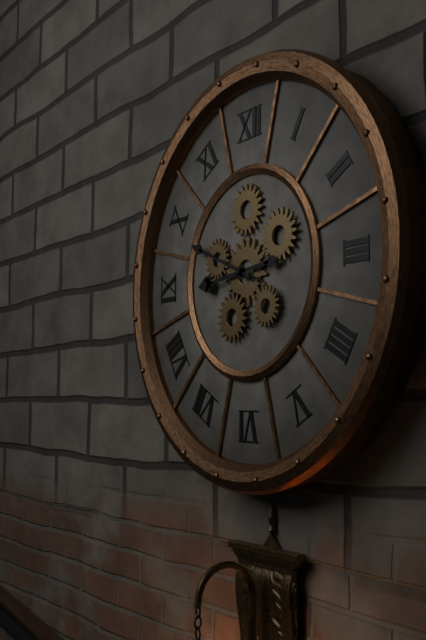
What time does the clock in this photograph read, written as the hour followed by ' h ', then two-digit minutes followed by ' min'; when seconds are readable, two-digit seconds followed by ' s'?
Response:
8 h 49 min
